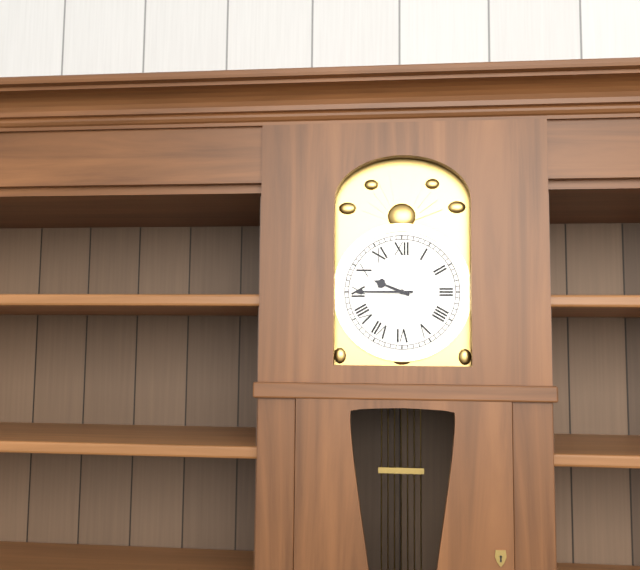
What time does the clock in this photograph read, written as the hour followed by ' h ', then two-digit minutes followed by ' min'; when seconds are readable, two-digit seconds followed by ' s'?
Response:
9 h 45 min
